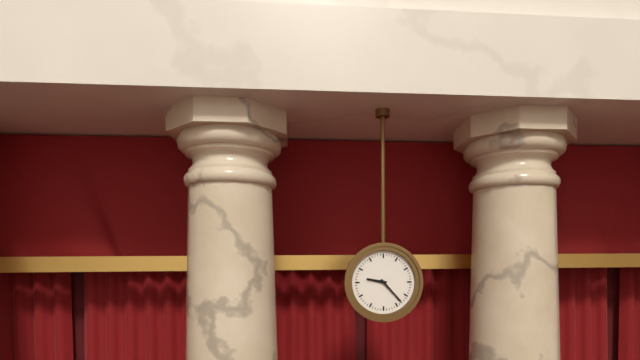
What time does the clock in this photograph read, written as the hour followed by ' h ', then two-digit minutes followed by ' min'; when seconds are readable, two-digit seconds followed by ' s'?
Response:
9 h 23 min
